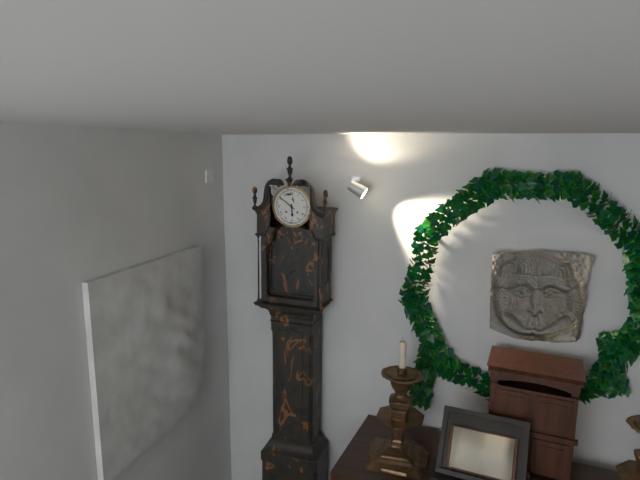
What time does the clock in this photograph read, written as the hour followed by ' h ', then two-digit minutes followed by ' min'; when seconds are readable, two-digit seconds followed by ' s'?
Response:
5 h 51 min
